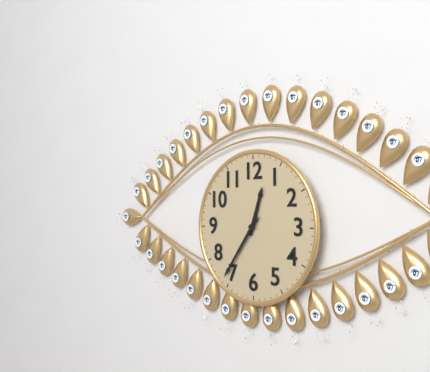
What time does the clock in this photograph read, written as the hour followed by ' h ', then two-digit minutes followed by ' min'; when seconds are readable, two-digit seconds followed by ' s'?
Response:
12 h 36 min
